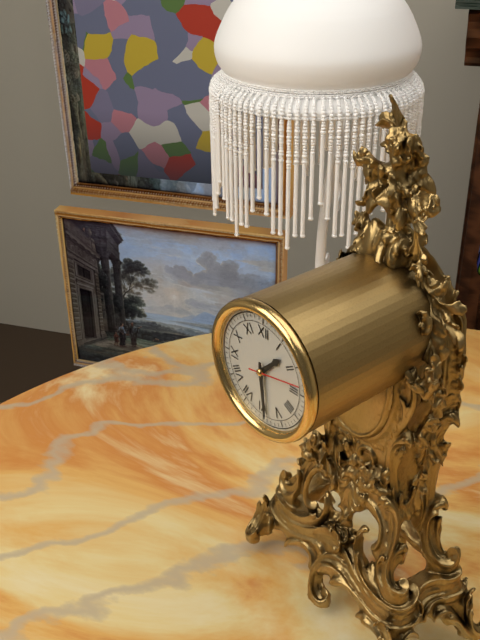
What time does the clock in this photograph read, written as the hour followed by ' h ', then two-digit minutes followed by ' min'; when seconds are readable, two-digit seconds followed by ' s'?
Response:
1 h 29 min 13 s
